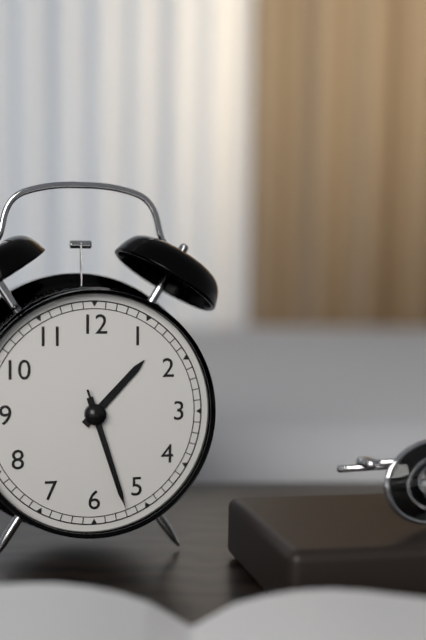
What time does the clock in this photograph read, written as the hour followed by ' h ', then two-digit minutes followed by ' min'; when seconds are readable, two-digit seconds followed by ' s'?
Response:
1 h 27 min 27 s
